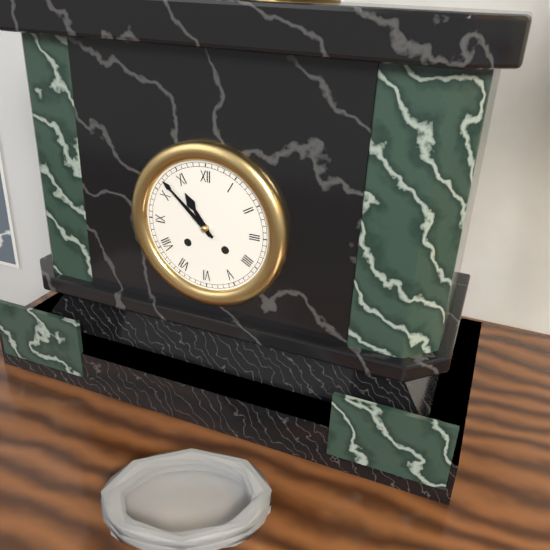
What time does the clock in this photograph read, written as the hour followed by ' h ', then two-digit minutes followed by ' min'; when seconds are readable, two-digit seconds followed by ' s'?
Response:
10 h 52 min
